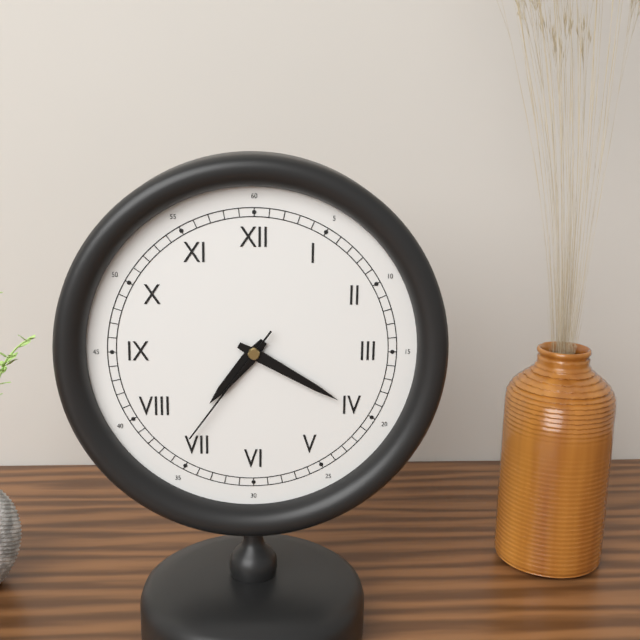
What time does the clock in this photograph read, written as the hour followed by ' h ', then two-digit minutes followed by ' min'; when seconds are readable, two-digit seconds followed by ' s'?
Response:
7 h 20 min 36 s
